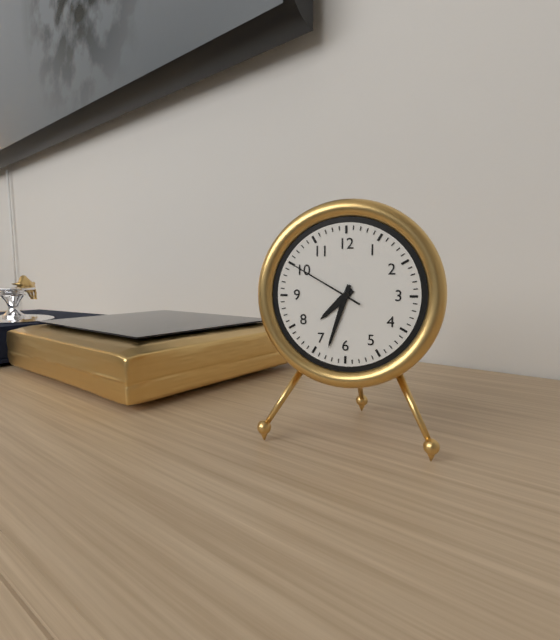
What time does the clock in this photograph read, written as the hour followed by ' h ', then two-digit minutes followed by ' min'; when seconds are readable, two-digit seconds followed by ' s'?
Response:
7 h 33 min 50 s
